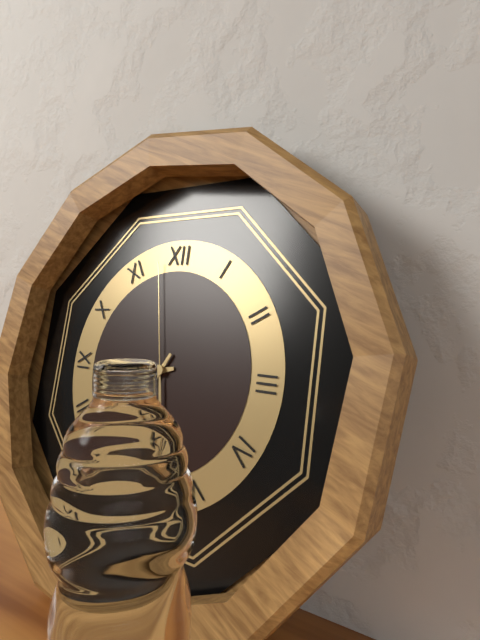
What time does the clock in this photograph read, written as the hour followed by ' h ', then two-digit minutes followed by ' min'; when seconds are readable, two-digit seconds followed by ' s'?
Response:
8 h 35 min 58 s
